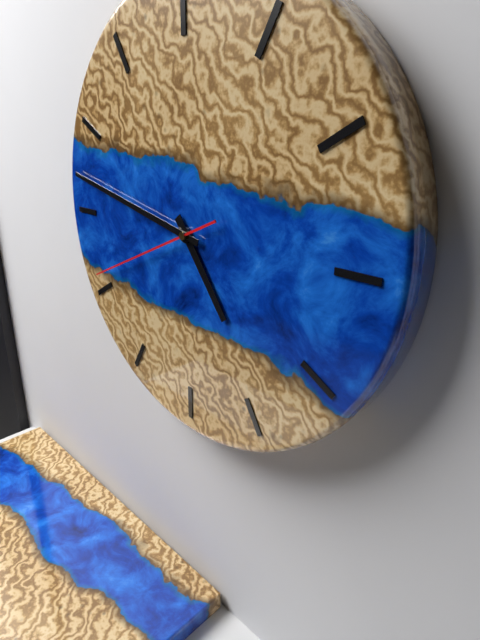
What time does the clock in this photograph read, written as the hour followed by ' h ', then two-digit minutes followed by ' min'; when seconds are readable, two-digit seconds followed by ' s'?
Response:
4 h 47 min 41 s
